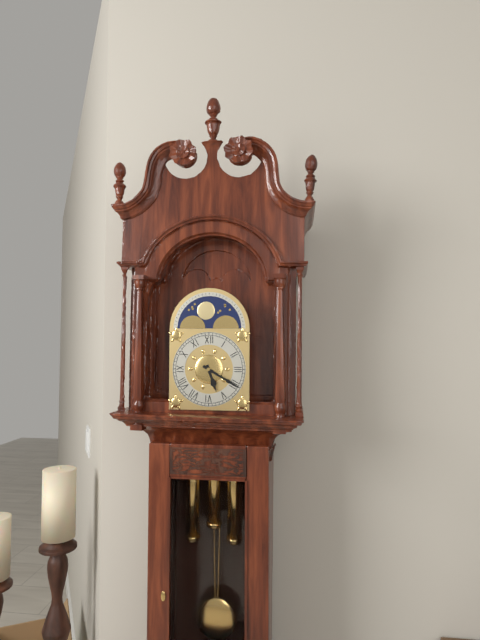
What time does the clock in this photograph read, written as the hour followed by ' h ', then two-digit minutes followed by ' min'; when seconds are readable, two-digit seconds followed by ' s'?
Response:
5 h 20 min
